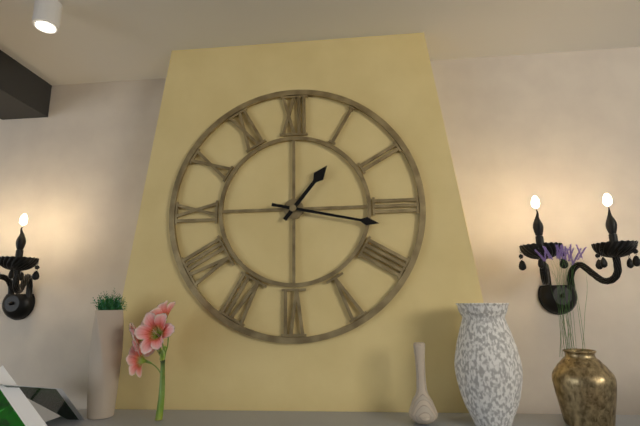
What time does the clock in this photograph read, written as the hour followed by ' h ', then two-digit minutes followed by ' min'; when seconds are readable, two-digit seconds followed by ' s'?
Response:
1 h 17 min
